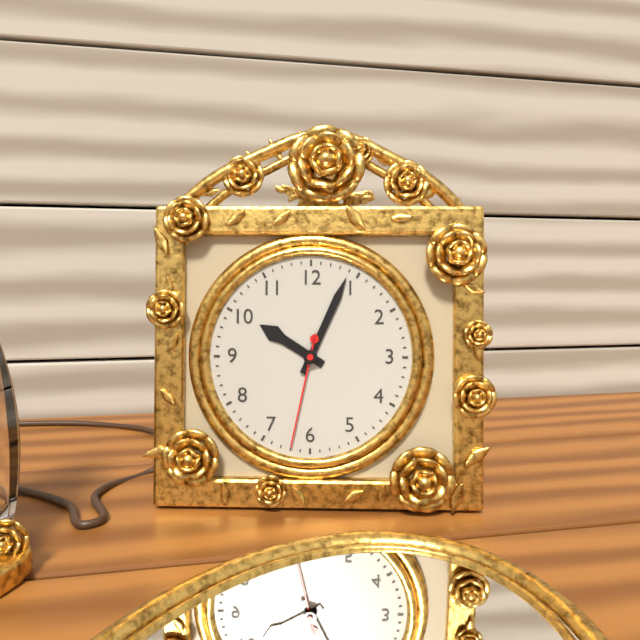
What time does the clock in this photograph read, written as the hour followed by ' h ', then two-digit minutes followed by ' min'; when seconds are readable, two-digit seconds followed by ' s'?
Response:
10 h 04 min 32 s
